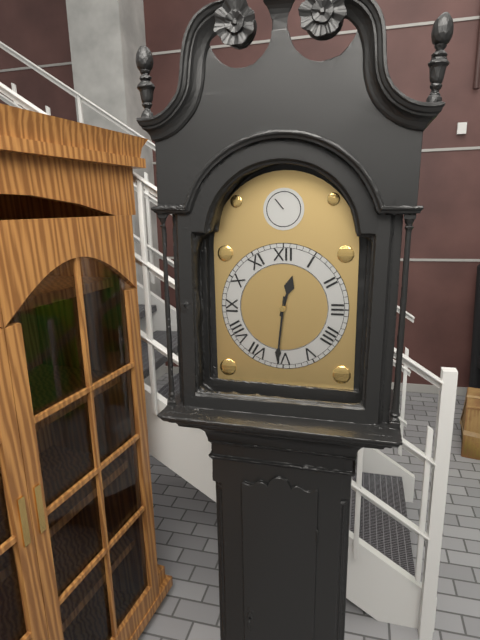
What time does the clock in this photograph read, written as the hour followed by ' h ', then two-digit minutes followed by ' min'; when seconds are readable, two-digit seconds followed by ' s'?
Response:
12 h 31 min
